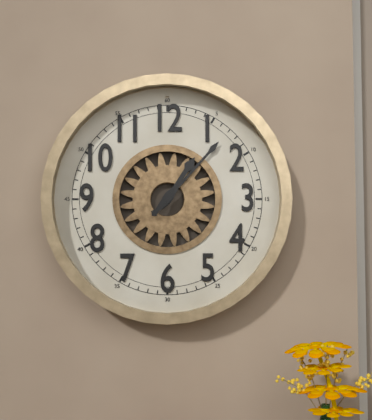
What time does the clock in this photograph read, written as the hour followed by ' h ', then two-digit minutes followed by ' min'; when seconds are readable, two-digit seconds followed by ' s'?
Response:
1 h 07 min
